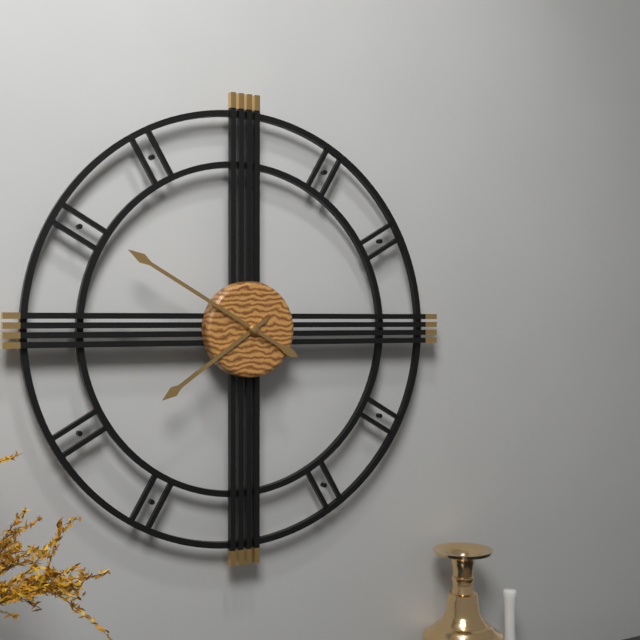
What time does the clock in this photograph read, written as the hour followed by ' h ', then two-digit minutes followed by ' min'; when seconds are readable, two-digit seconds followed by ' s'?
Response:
7 h 50 min
